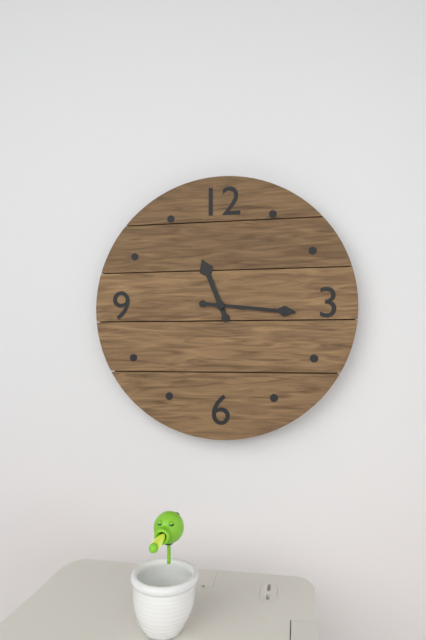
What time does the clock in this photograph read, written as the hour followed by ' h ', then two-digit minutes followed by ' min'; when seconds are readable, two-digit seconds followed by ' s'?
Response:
11 h 16 min
